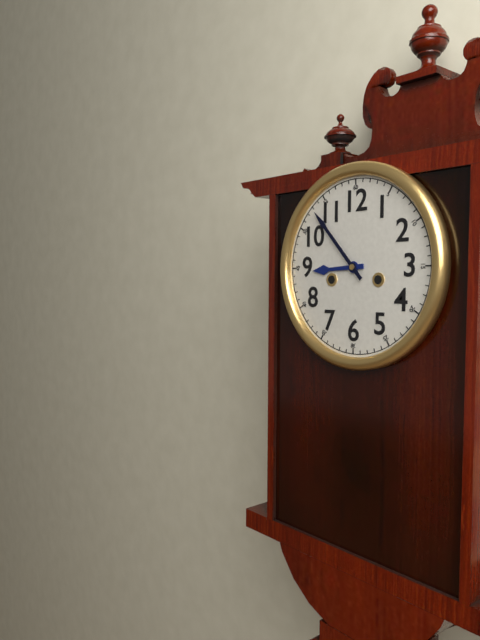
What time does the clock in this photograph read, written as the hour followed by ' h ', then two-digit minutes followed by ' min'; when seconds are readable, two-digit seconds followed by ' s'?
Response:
8 h 53 min
